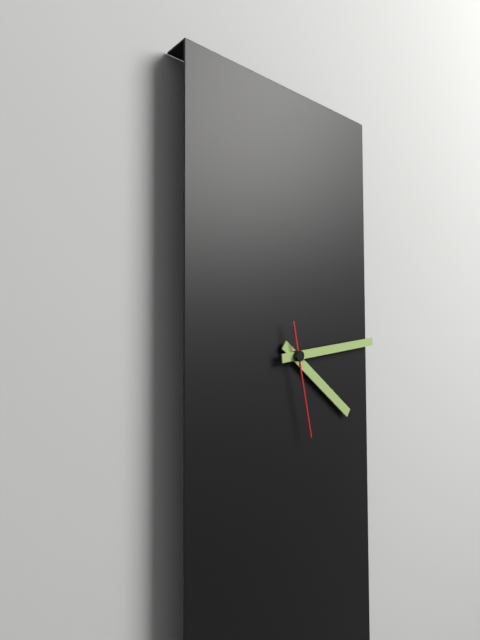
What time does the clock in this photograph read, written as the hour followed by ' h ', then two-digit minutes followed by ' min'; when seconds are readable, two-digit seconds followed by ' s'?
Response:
4 h 14 min 28 s
